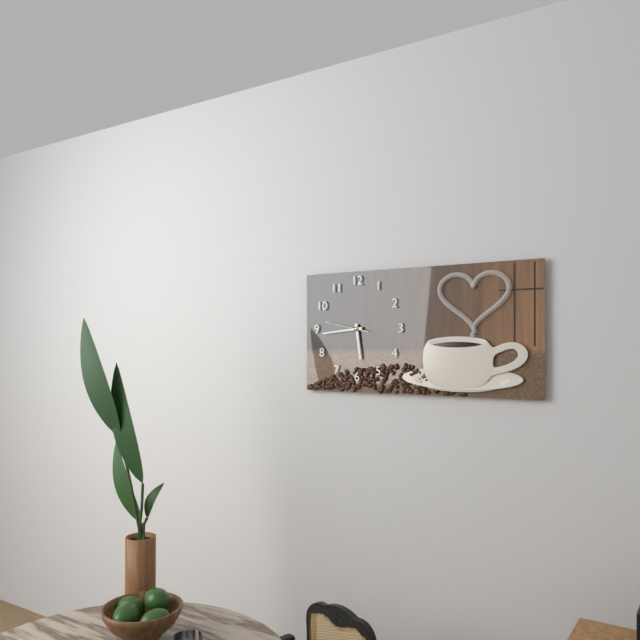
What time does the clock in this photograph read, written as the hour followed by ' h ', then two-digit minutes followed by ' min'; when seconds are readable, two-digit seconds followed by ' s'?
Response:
5 h 44 min
